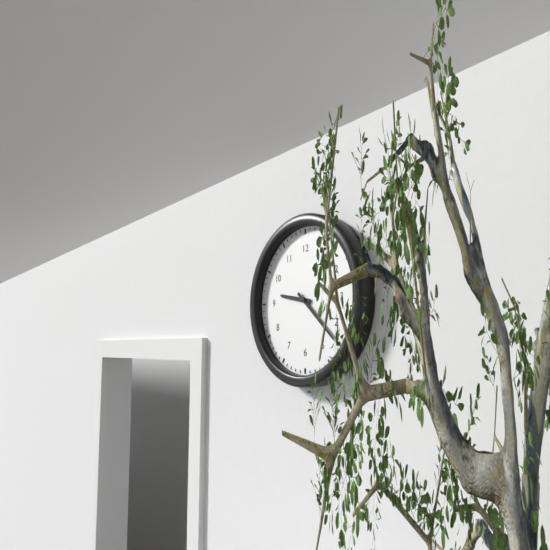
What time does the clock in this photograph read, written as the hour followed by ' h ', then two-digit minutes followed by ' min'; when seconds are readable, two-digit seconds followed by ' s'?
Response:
9 h 22 min
